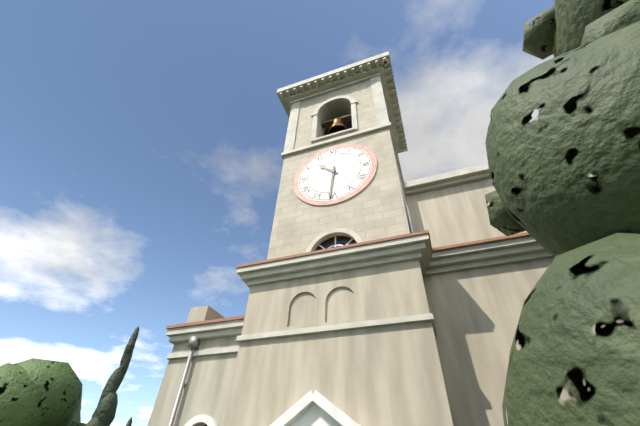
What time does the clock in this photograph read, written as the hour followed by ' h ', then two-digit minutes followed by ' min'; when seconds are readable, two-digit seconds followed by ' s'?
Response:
10 h 31 min
